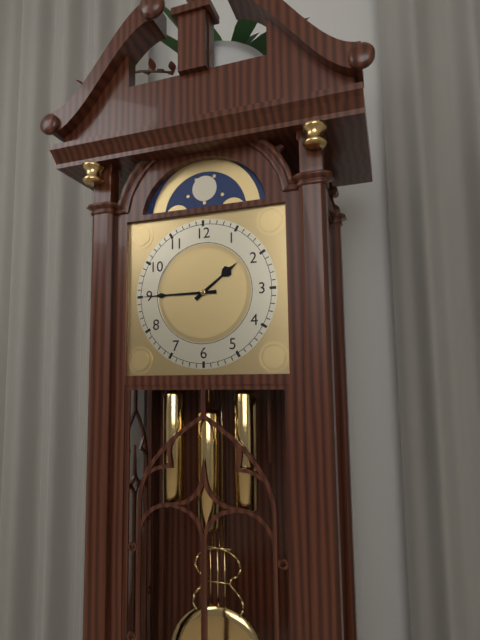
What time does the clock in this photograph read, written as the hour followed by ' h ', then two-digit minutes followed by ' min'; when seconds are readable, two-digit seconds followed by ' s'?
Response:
1 h 45 min
